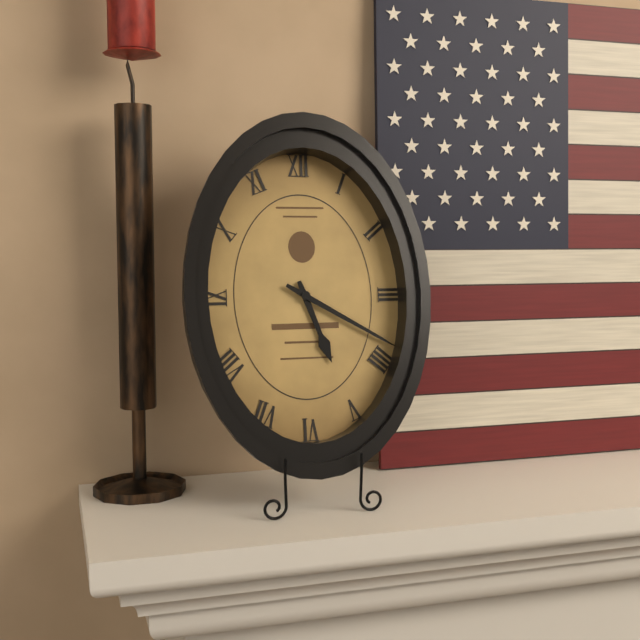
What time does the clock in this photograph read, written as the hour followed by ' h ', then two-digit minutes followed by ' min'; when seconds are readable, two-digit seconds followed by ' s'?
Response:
5 h 20 min
